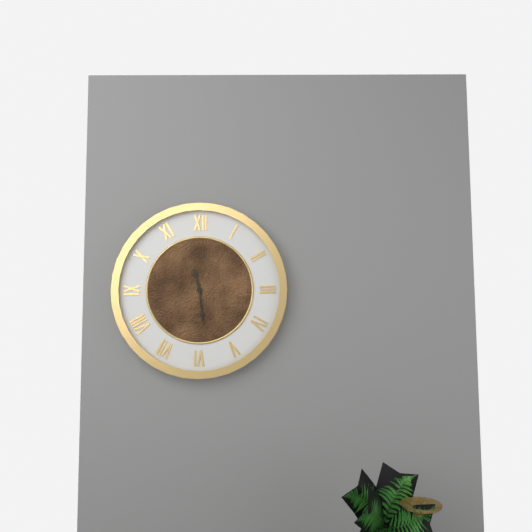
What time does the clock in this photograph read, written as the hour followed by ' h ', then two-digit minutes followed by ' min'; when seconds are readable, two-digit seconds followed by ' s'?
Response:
11 h 29 min
